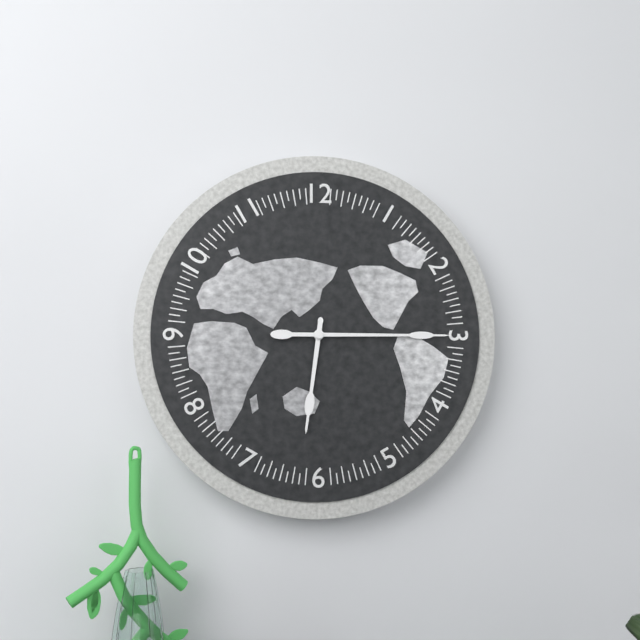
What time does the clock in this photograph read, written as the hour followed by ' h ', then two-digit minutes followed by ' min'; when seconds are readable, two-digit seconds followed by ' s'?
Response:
6 h 15 min
